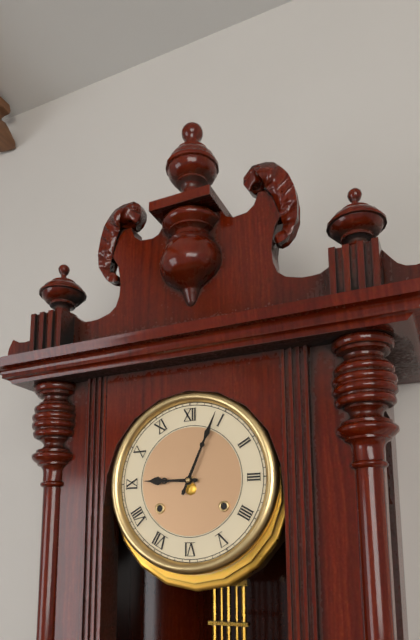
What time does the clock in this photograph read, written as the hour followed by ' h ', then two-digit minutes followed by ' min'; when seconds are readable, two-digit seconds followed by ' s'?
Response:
9 h 04 min
